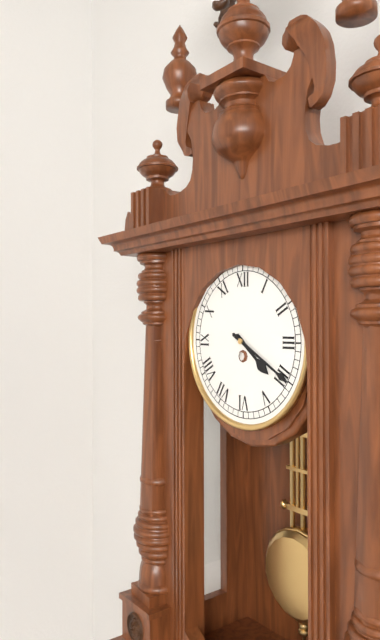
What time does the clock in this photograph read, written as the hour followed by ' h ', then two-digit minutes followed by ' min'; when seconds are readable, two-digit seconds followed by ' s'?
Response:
4 h 20 min
